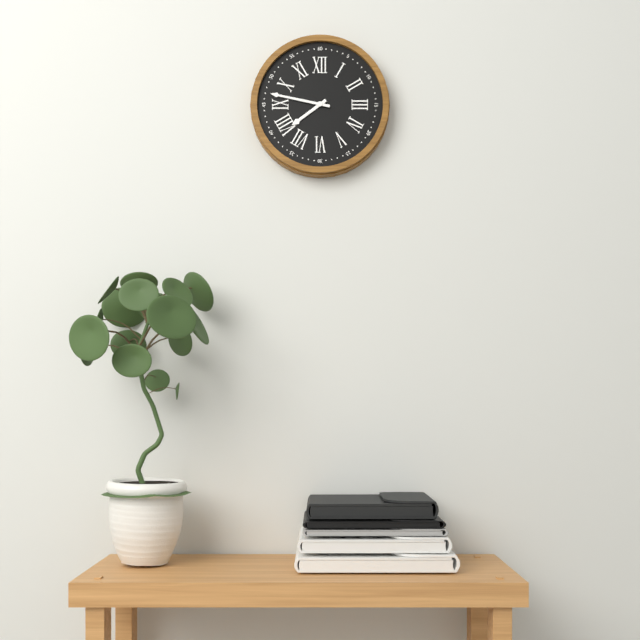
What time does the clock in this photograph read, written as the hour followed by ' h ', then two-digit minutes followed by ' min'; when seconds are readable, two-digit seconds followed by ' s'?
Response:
7 h 47 min
